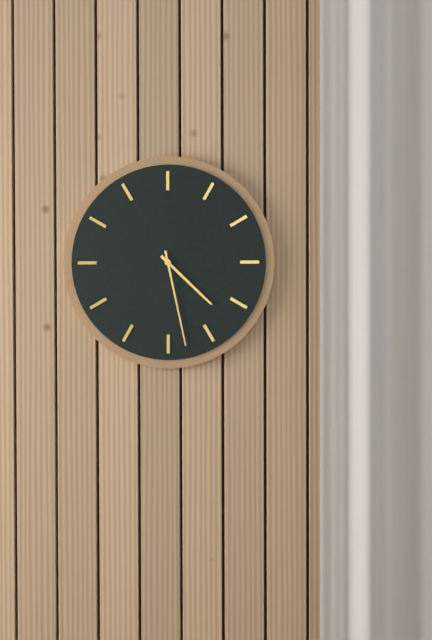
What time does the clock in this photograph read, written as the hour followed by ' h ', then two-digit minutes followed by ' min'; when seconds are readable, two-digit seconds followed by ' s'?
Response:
4 h 28 min
